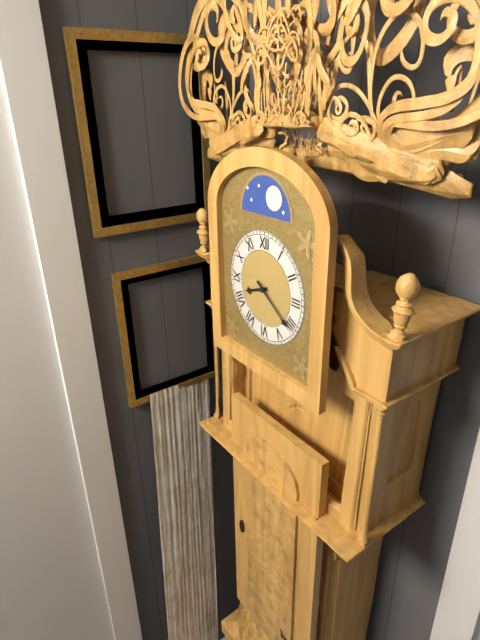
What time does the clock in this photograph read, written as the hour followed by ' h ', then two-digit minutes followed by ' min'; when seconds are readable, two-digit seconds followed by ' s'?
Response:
8 h 21 min
